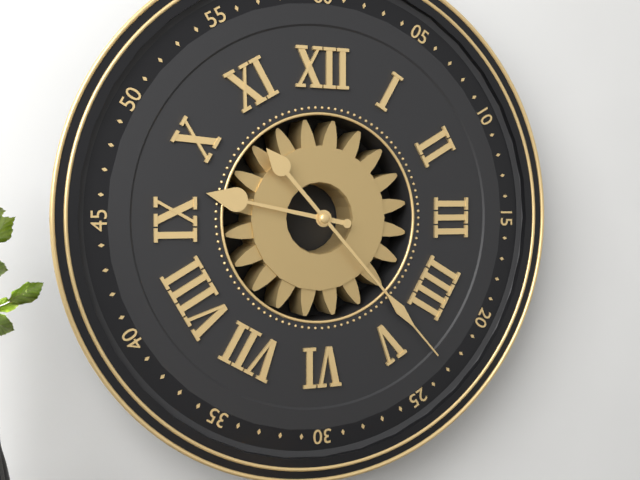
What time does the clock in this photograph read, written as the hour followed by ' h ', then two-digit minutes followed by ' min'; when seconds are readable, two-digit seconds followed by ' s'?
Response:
9 h 23 min
